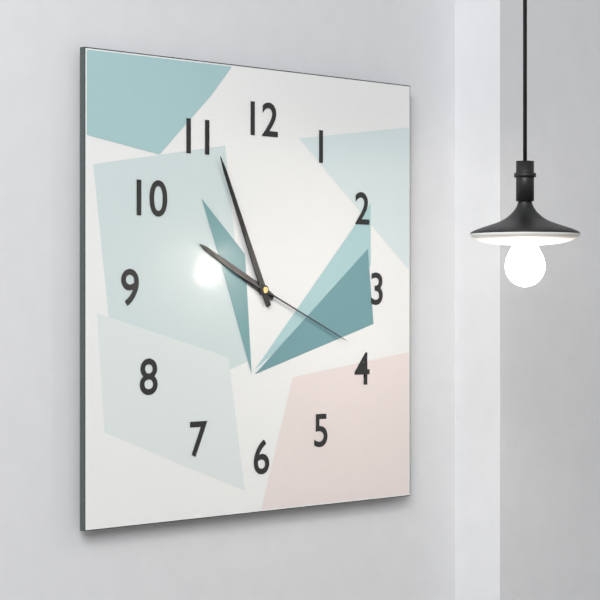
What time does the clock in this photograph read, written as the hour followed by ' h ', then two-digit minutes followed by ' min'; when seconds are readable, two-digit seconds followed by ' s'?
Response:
9 h 56 min 19 s
